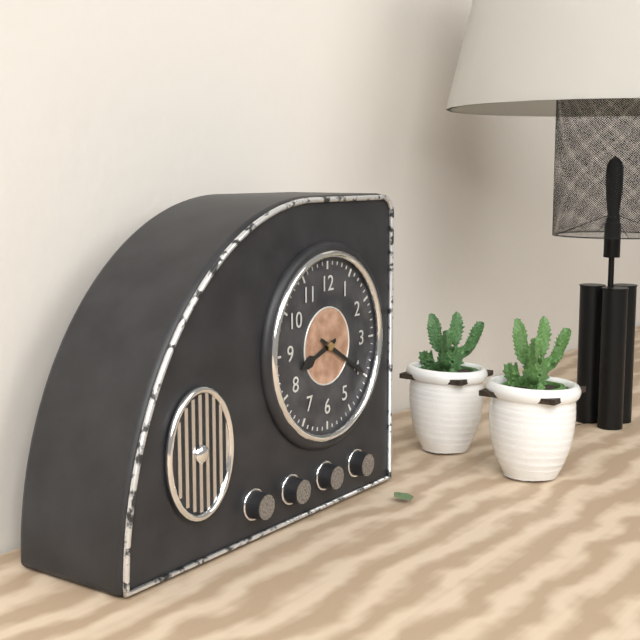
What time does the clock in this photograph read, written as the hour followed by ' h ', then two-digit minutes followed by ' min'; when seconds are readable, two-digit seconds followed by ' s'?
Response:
8 h 20 min
